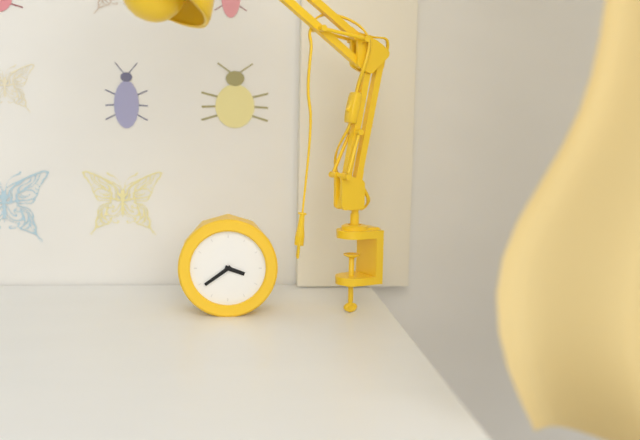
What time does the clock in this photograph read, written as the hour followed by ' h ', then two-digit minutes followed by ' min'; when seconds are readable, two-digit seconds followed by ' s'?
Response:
3 h 39 min
